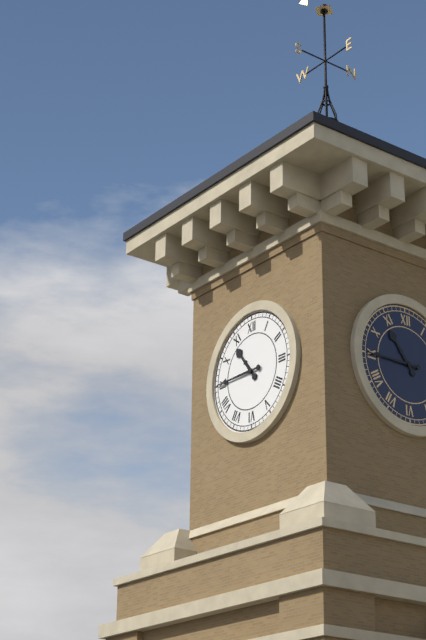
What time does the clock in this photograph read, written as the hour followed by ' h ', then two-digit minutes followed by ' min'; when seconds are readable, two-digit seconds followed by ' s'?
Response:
10 h 45 min
